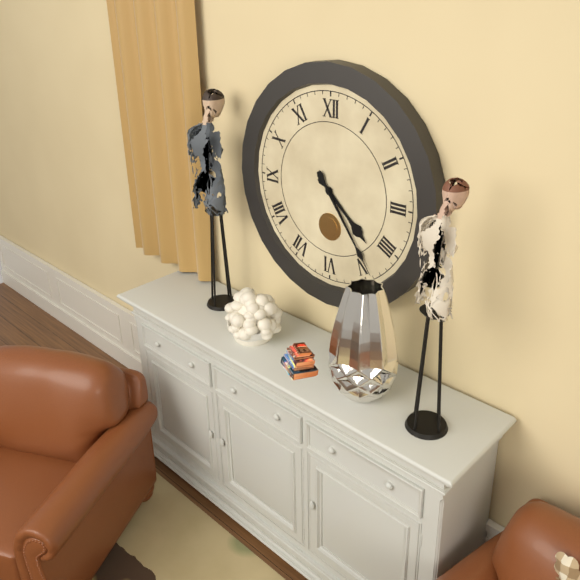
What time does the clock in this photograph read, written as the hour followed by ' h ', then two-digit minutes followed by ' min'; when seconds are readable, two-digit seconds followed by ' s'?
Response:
4 h 24 min
